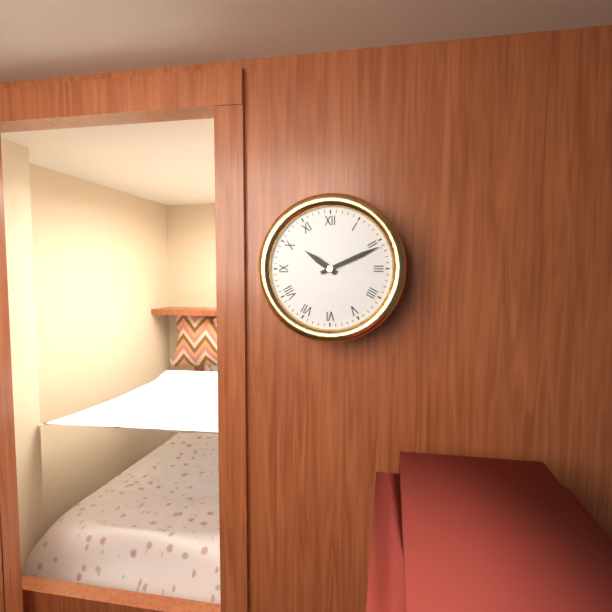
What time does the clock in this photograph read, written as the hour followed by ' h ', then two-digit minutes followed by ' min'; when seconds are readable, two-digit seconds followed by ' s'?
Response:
10 h 11 min
